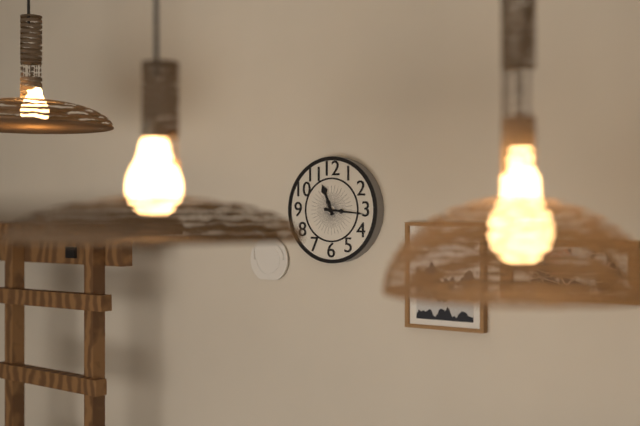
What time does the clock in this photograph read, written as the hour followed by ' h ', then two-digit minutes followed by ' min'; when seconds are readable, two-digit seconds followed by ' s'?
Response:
11 h 16 min
